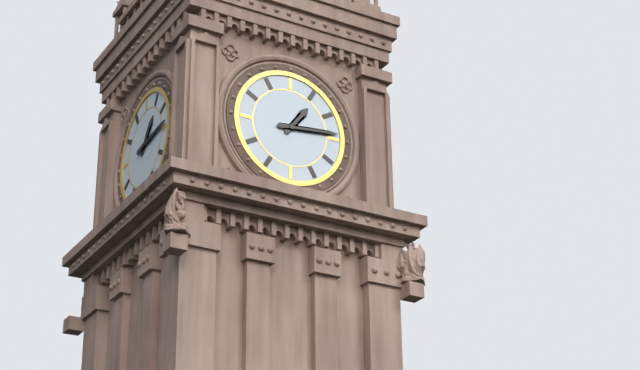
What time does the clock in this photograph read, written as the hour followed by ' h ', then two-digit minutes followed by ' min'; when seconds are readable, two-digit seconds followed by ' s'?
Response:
1 h 14 min
